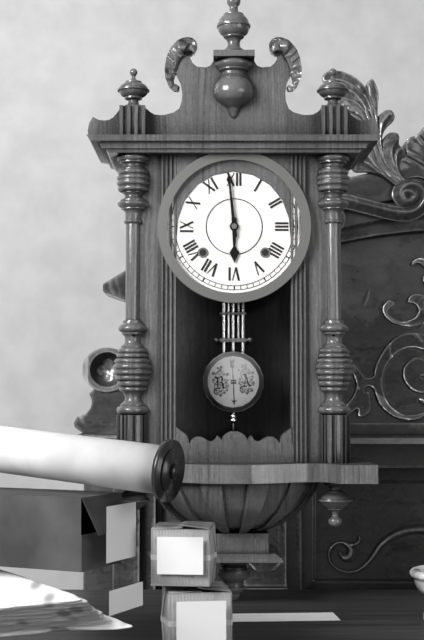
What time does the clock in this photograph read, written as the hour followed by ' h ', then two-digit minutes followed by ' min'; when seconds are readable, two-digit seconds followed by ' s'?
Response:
5 h 59 min
